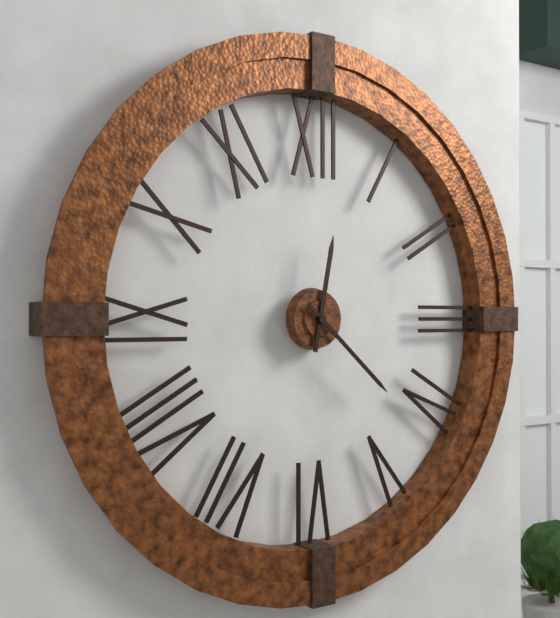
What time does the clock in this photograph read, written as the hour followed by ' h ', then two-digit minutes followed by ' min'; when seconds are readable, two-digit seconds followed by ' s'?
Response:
12 h 22 min
